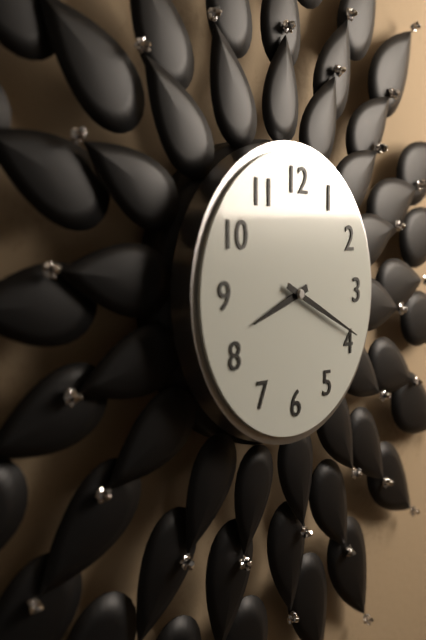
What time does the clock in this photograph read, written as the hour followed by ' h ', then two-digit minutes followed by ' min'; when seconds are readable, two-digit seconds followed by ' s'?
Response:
8 h 19 min
